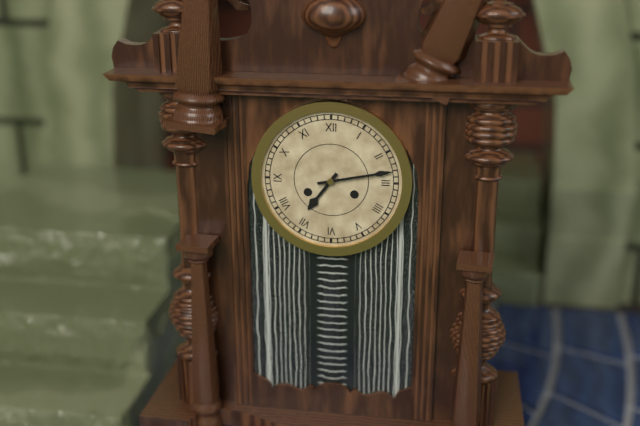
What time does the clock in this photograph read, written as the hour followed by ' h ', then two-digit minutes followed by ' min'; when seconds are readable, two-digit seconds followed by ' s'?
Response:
7 h 13 min
